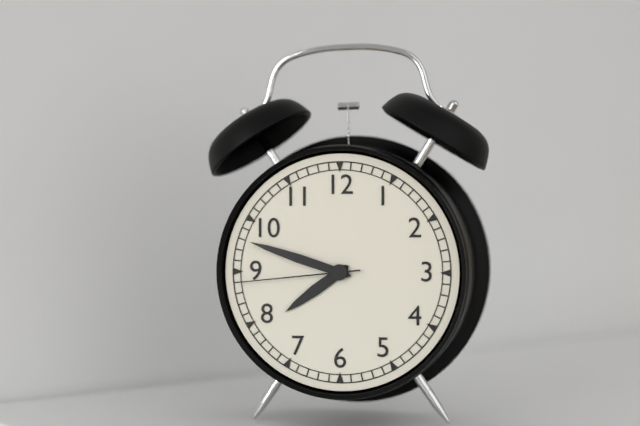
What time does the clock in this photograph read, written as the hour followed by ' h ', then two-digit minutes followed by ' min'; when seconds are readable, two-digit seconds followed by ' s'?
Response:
7 h 48 min 44 s
